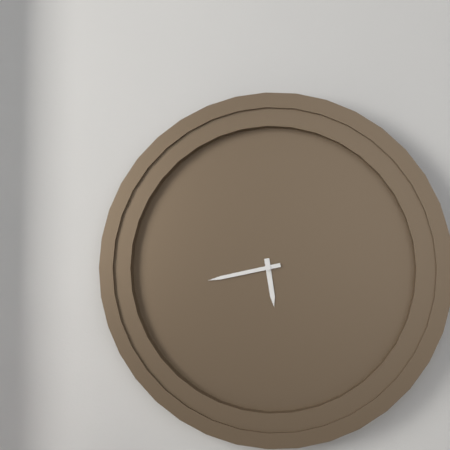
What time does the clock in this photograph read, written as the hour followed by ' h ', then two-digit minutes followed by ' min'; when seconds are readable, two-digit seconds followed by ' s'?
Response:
5 h 43 min
